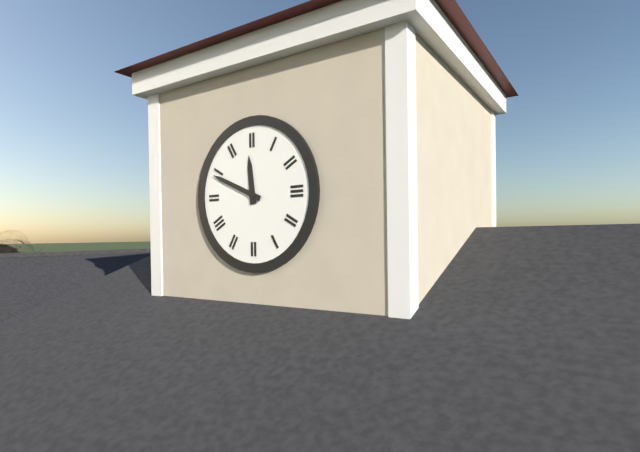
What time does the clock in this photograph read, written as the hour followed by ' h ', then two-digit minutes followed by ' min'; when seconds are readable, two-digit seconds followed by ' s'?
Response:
11 h 49 min
